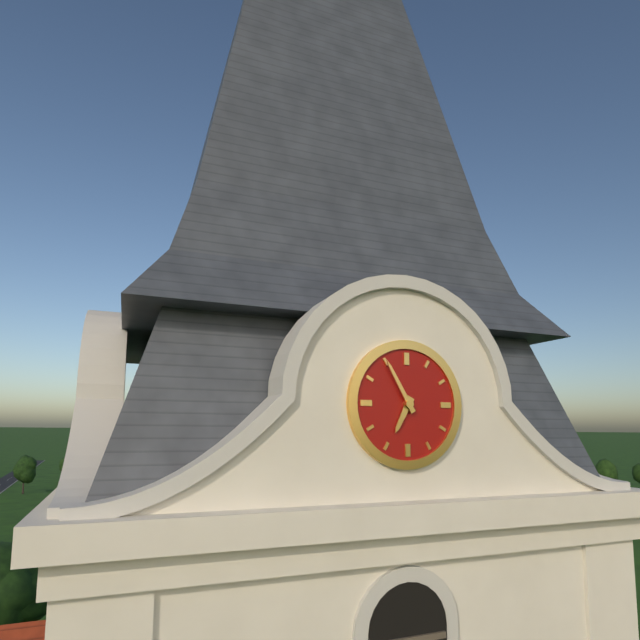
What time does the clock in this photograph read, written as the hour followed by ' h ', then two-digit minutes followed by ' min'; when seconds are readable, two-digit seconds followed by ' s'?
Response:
6 h 55 min
